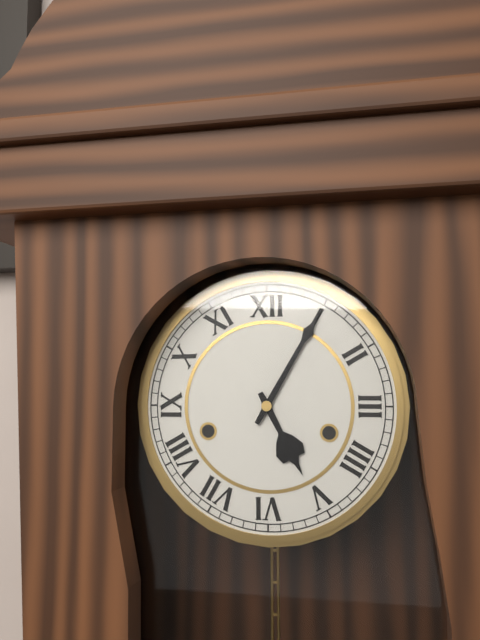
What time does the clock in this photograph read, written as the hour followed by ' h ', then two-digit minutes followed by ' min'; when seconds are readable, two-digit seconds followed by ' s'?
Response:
5 h 05 min
